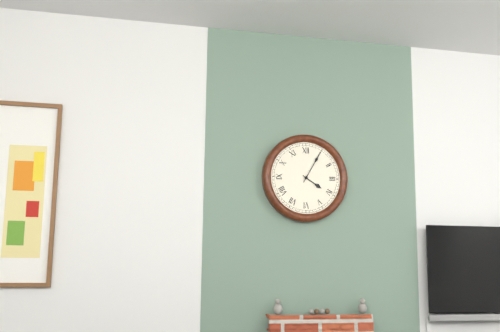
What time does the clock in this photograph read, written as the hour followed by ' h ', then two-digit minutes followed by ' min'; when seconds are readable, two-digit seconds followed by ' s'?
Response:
4 h 05 min
